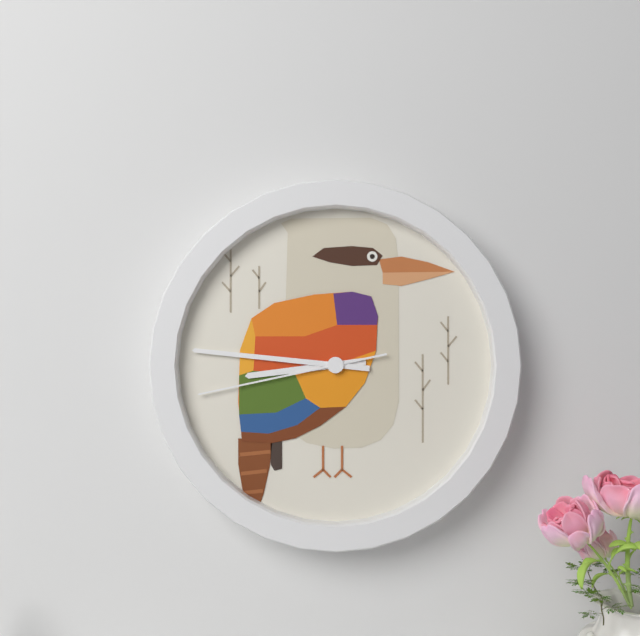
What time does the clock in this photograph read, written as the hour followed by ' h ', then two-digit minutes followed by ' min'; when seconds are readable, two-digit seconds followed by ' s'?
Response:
8 h 46 min 43 s
